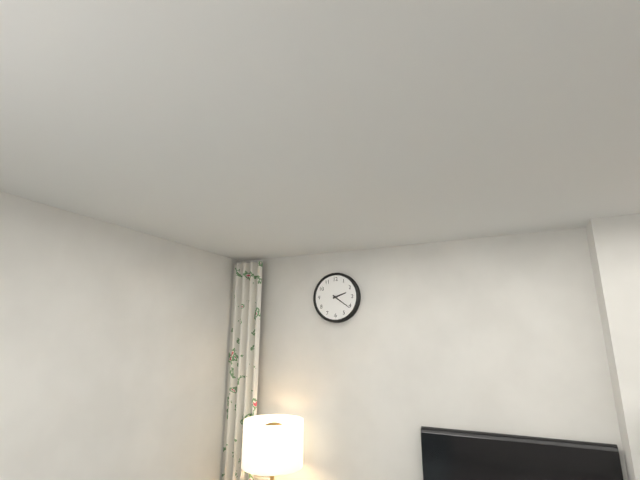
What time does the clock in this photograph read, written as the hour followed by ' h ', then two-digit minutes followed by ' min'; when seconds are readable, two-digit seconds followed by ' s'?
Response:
2 h 21 min
